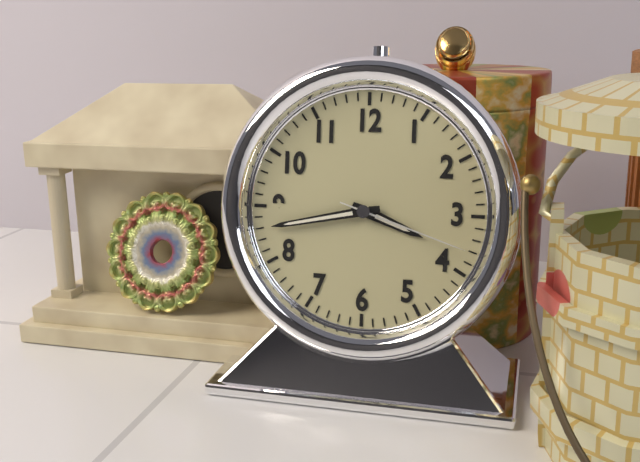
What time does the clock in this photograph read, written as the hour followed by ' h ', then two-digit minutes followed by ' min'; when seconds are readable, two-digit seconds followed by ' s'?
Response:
3 h 43 min 18 s
